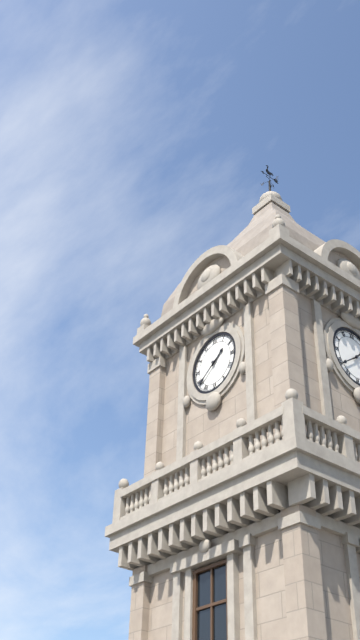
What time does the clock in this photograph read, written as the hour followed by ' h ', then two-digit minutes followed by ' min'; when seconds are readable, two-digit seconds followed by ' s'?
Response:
1 h 39 min
